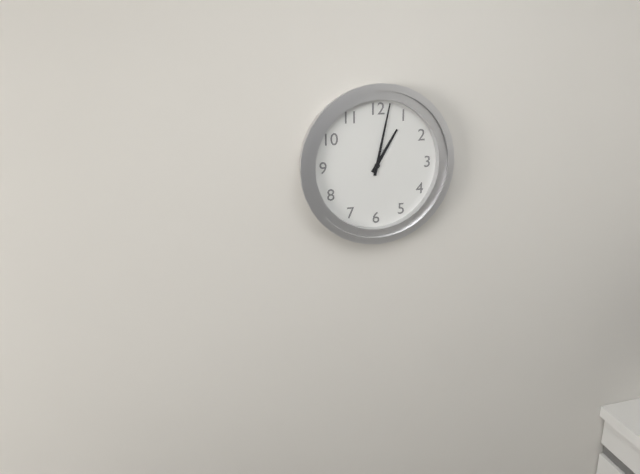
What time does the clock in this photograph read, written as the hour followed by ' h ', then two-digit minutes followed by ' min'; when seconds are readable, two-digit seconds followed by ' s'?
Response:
1 h 02 min
